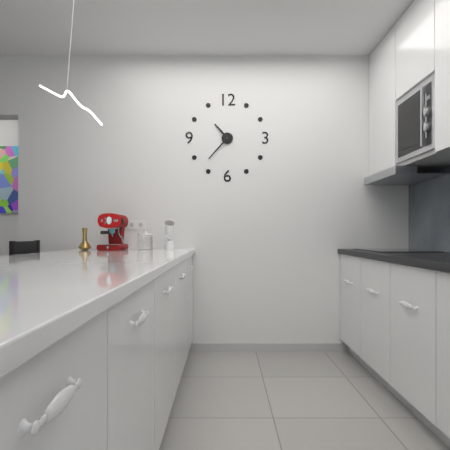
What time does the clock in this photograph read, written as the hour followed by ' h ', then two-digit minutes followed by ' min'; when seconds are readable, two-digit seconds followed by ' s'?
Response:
10 h 37 min
